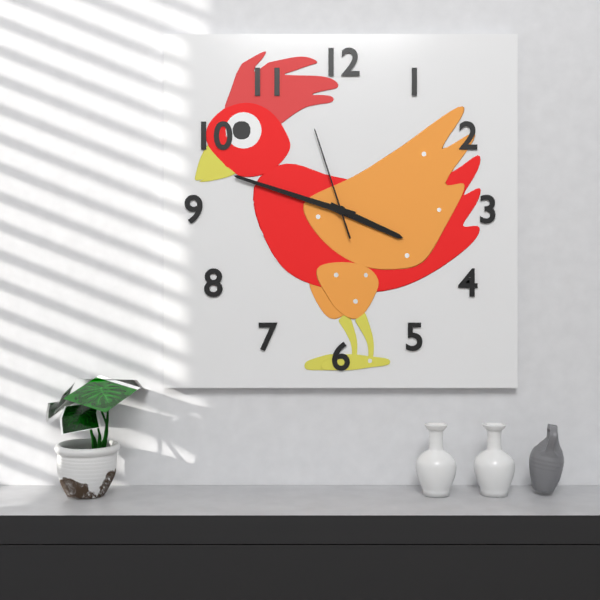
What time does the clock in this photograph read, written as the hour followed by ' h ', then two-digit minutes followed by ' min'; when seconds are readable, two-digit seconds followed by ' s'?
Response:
3 h 48 min 57 s
